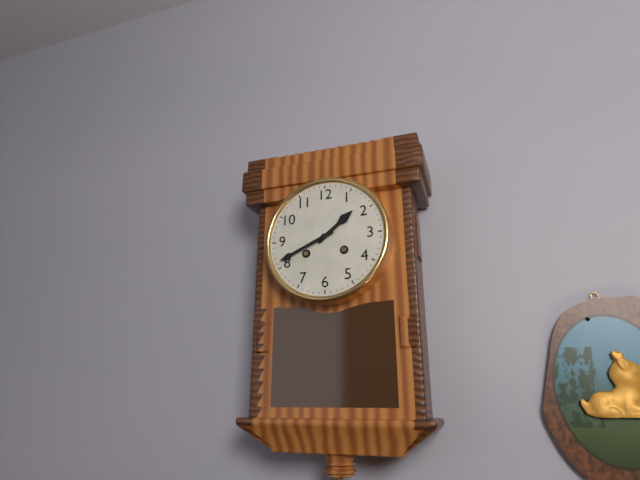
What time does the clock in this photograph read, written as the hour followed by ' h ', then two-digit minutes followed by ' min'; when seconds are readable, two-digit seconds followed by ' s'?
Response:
1 h 41 min
